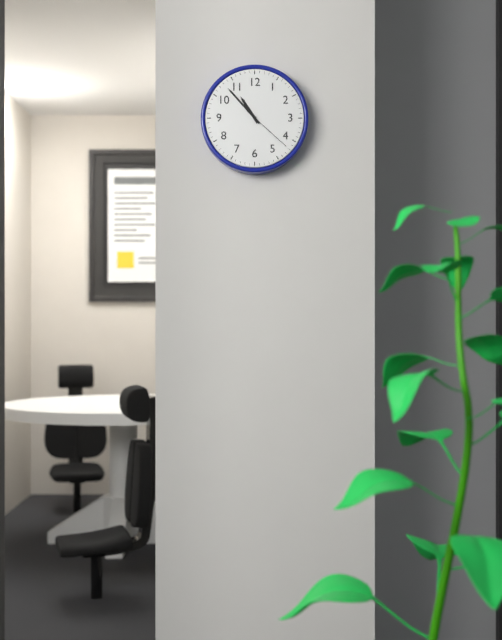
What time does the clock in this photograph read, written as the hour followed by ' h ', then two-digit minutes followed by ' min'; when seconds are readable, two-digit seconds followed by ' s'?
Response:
10 h 53 min 22 s
